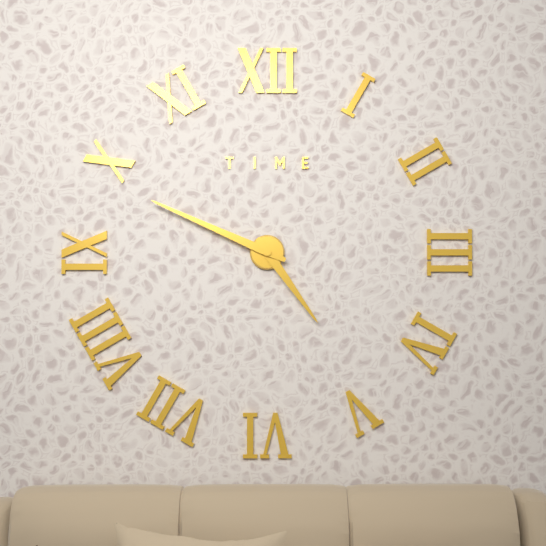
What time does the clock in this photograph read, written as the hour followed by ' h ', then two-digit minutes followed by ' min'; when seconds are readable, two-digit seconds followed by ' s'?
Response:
4 h 49 min
